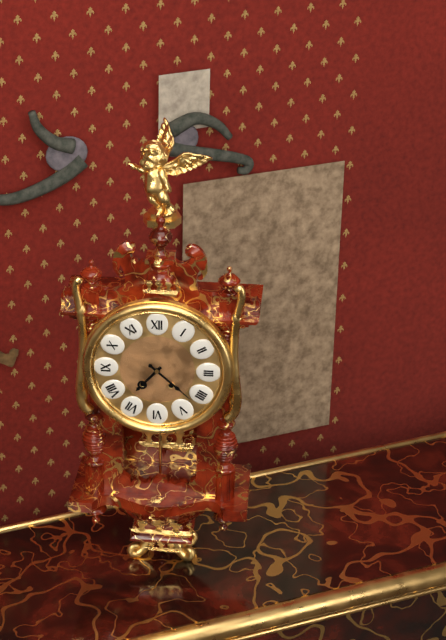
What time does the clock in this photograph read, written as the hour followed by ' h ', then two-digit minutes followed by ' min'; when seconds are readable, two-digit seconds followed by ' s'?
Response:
7 h 22 min
